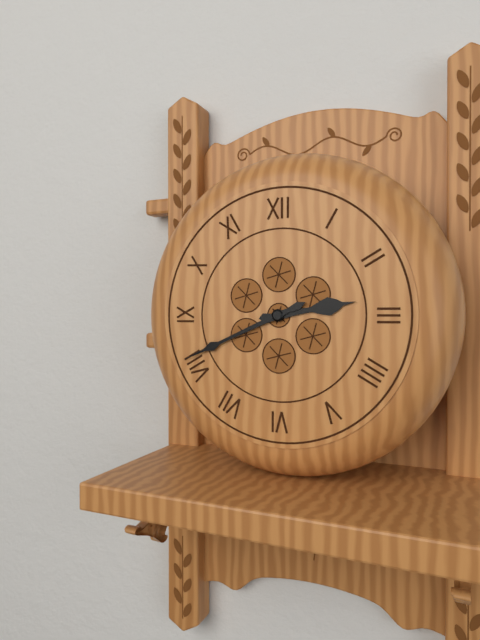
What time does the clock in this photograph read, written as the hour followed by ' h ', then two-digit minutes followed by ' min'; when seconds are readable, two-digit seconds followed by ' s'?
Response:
2 h 41 min
